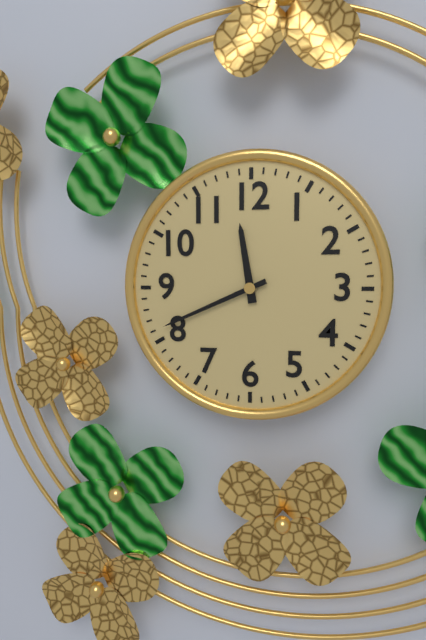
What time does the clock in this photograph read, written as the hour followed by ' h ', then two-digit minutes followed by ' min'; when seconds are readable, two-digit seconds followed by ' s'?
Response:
11 h 41 min
